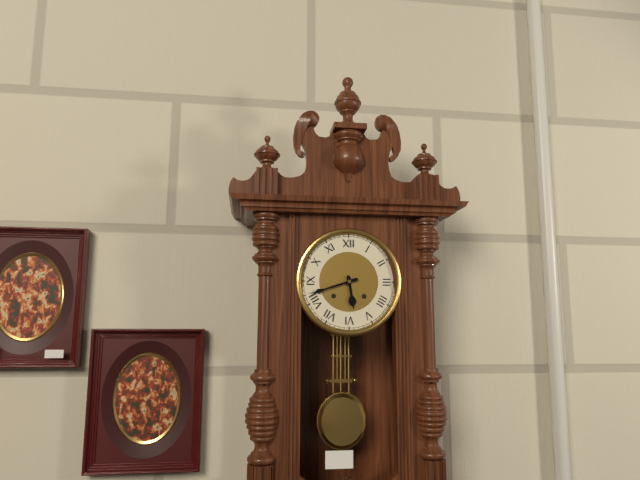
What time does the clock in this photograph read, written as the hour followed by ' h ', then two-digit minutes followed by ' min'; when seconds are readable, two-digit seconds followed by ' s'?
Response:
5 h 42 min
